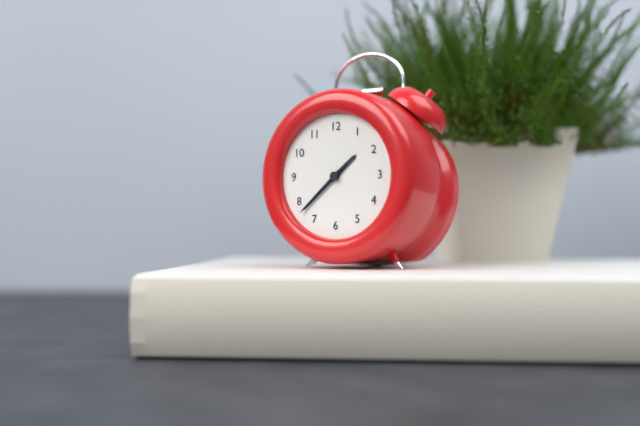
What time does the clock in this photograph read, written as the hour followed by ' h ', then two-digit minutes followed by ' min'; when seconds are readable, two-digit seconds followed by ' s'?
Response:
1 h 38 min 38 s
